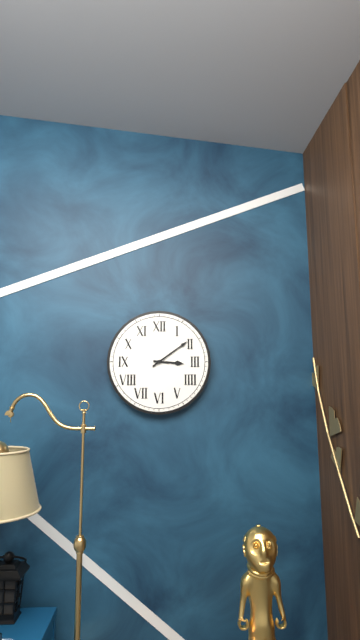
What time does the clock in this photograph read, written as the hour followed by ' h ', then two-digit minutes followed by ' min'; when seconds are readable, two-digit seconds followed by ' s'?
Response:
3 h 09 min
